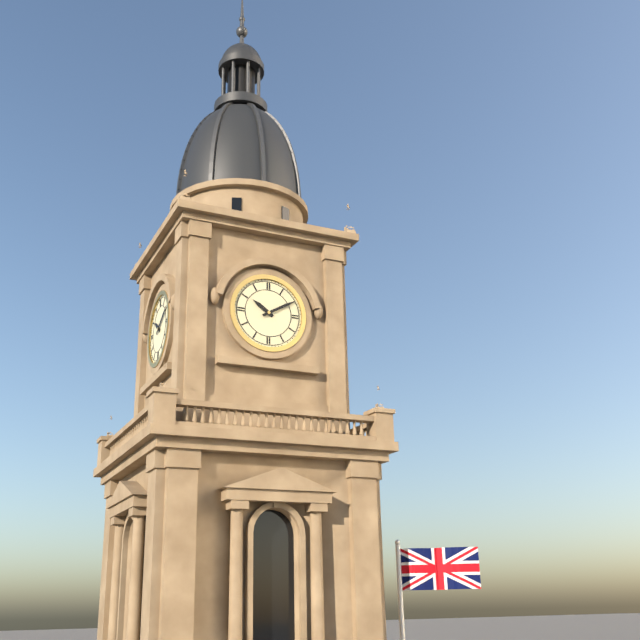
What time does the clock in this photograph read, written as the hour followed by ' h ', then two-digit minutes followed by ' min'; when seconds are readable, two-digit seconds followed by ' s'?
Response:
10 h 10 min
